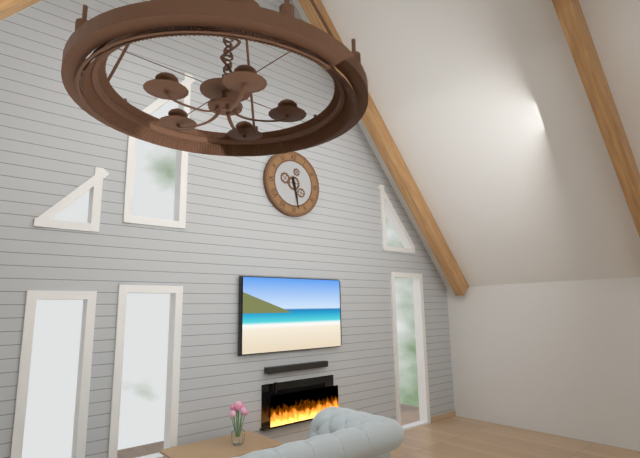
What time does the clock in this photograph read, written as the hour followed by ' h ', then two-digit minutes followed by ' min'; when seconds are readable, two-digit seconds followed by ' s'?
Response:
5 h 28 min
